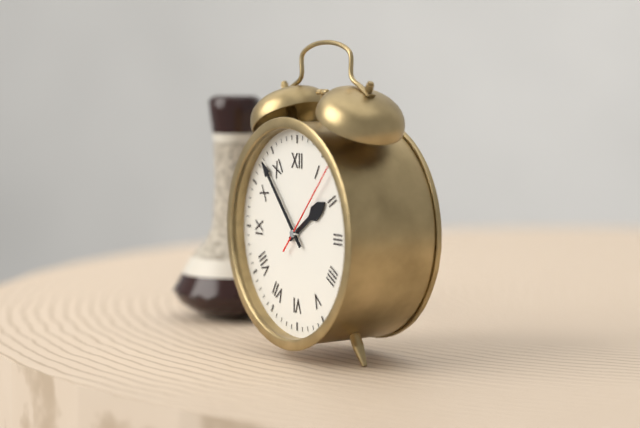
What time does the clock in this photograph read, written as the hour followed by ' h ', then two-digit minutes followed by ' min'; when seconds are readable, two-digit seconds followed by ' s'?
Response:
1 h 53 min 07 s
